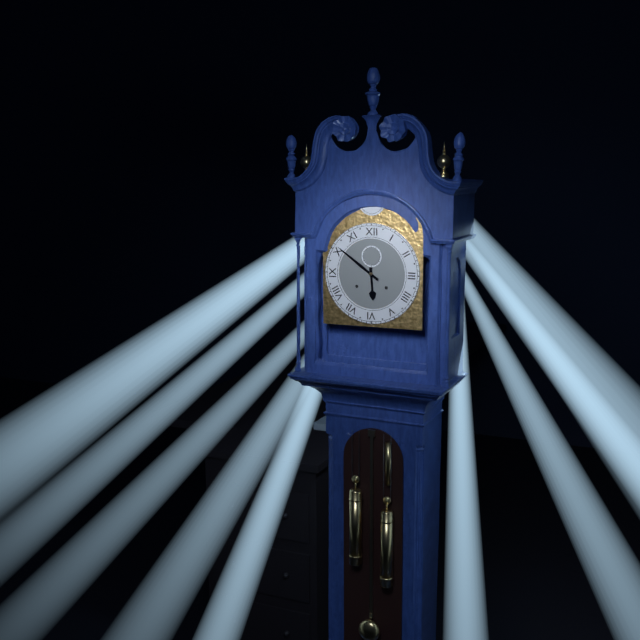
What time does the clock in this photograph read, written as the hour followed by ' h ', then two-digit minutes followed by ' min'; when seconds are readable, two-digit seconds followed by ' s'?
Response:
5 h 51 min
